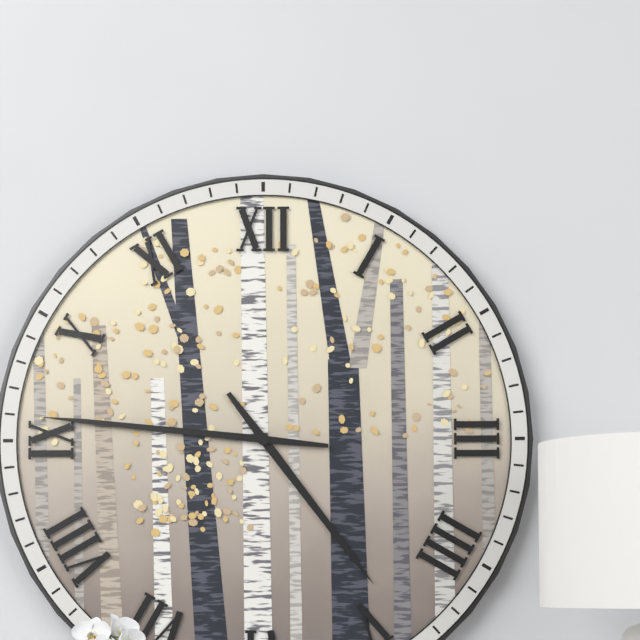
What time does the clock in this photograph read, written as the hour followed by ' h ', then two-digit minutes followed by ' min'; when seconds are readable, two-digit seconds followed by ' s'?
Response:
4 h 46 min
